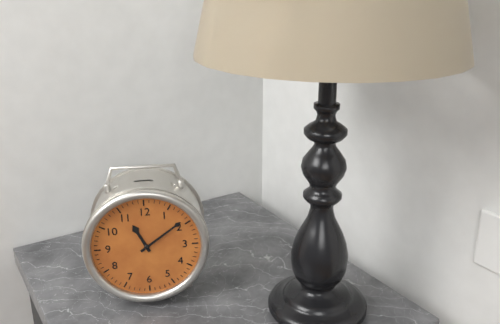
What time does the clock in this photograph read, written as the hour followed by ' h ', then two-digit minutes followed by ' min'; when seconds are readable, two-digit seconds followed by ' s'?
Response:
11 h 09 min
